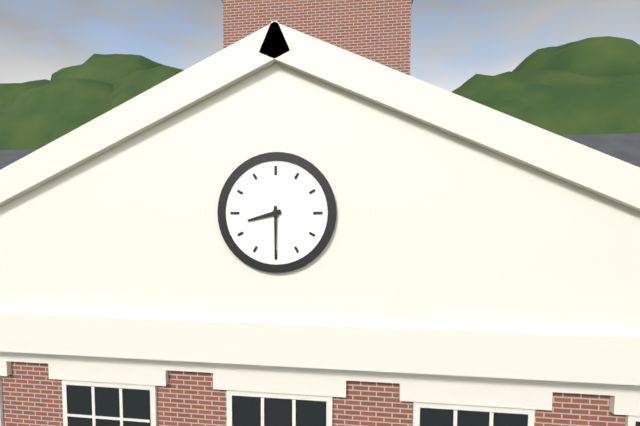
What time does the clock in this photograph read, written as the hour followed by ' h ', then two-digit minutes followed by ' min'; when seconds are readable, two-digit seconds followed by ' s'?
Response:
8 h 30 min
